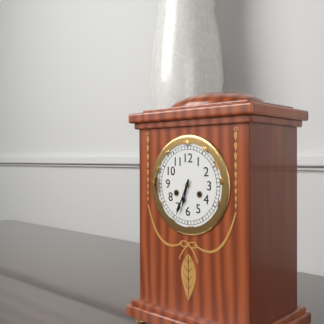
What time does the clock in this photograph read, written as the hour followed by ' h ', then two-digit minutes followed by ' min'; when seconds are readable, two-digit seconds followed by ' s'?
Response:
6 h 34 min
